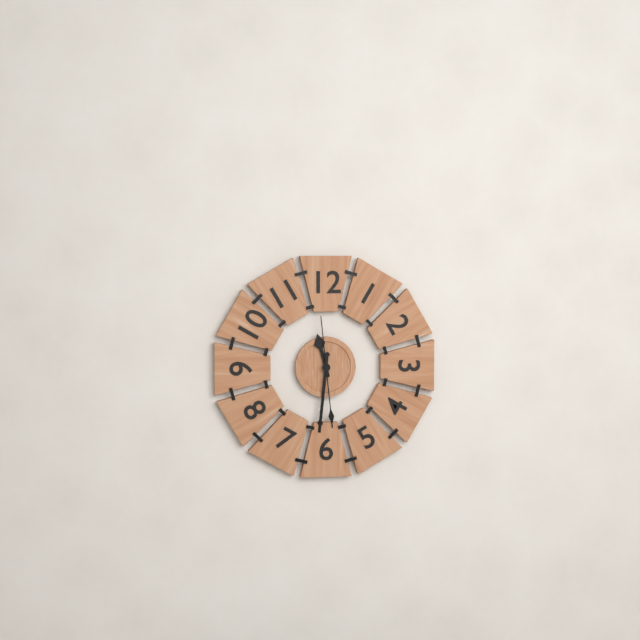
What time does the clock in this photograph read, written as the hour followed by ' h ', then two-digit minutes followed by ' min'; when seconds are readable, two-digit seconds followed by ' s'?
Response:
11 h 31 min 29 s
